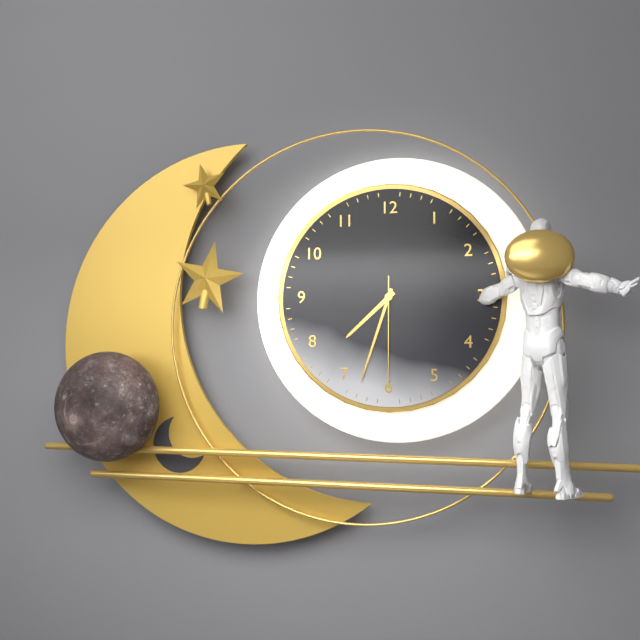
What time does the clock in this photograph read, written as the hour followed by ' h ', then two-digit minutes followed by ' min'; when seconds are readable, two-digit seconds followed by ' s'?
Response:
7 h 33 min 30 s
